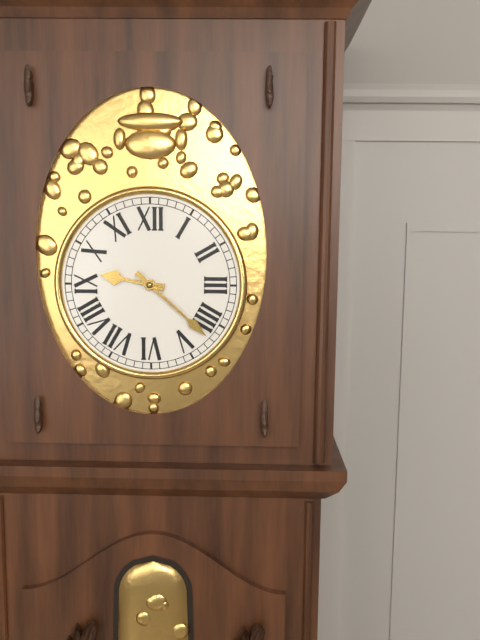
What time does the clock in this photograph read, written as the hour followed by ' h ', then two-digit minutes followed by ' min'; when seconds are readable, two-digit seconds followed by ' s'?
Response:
9 h 22 min
